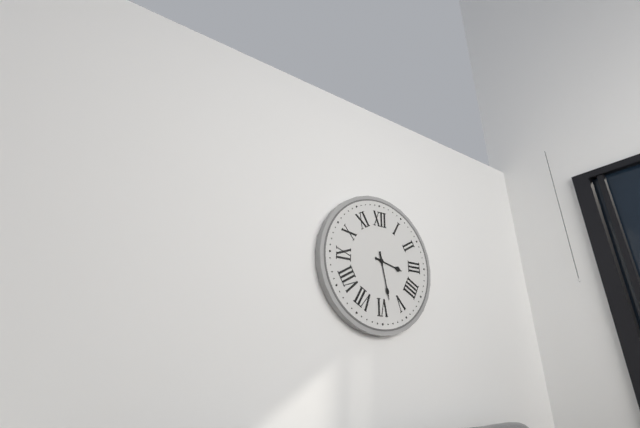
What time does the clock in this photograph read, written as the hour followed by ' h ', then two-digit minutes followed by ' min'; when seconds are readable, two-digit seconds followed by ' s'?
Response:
3 h 28 min
